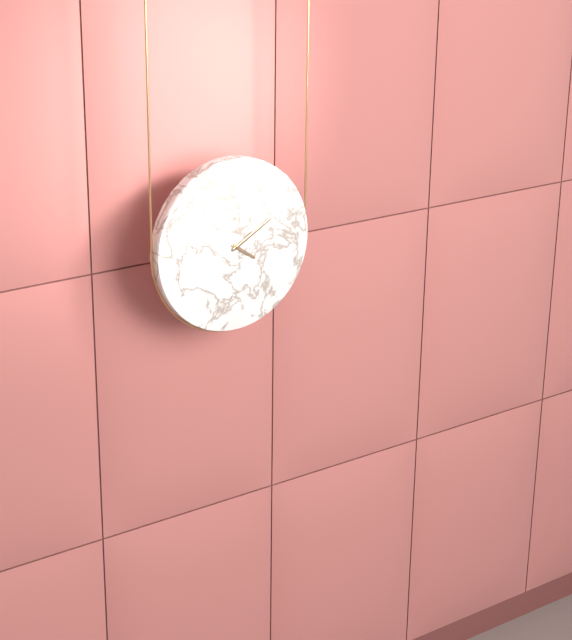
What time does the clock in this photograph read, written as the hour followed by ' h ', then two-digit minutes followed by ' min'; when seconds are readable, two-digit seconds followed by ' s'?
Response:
4 h 10 min
